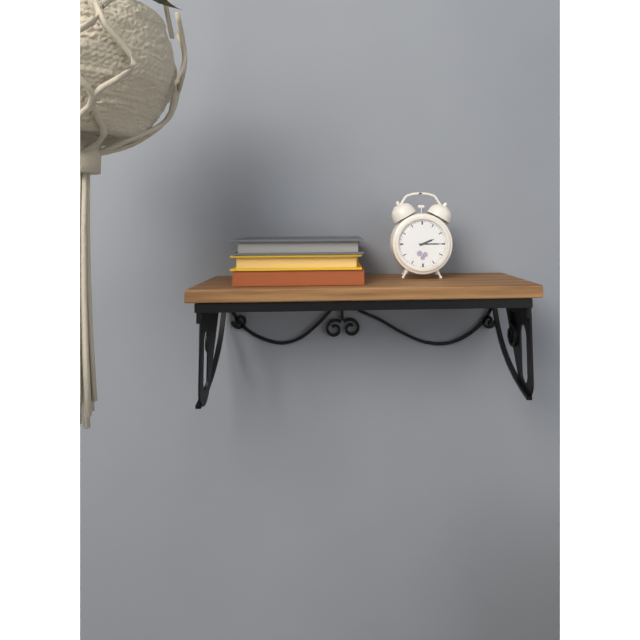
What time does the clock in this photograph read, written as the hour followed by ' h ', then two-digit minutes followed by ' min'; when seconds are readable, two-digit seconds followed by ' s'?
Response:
2 h 15 min
